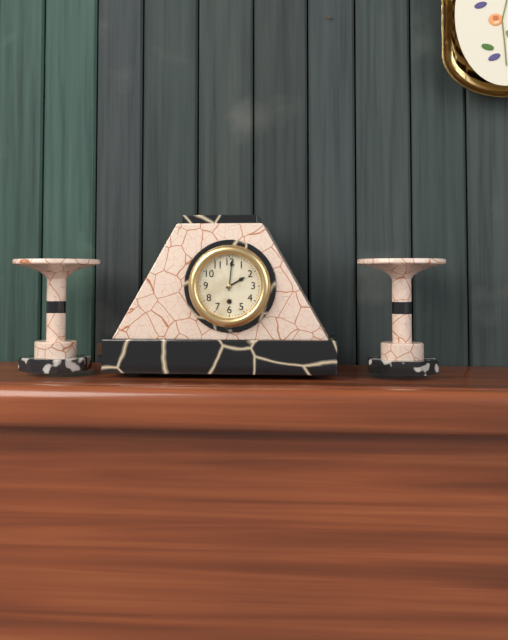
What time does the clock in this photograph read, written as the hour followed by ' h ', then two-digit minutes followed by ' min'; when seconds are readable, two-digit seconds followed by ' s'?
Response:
2 h 01 min
